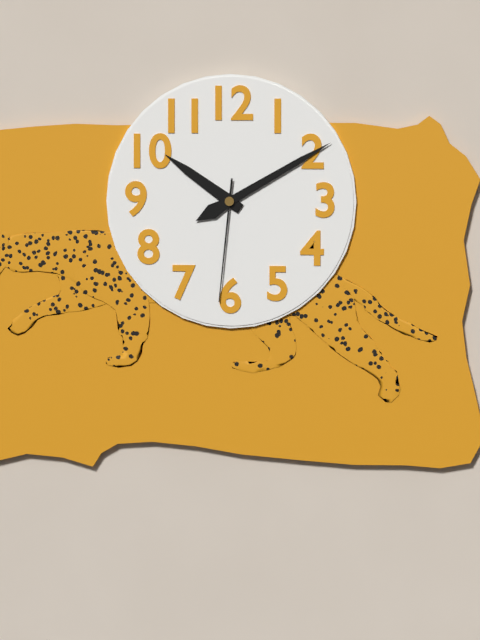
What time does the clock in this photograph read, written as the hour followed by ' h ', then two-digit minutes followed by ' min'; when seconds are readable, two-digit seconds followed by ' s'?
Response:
10 h 10 min 31 s
